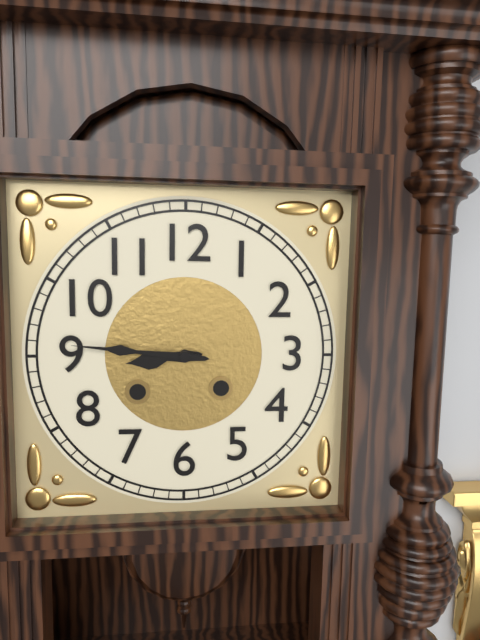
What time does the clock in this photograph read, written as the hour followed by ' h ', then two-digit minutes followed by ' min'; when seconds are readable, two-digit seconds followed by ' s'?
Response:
8 h 46 min
